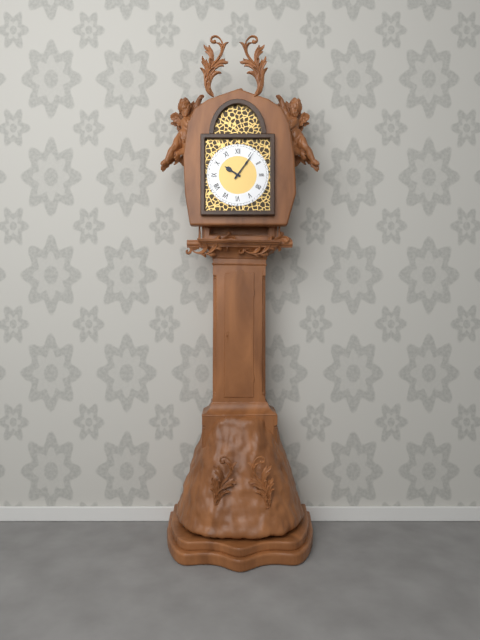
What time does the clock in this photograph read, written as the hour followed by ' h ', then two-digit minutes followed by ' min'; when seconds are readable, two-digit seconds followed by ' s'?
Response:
10 h 06 min
